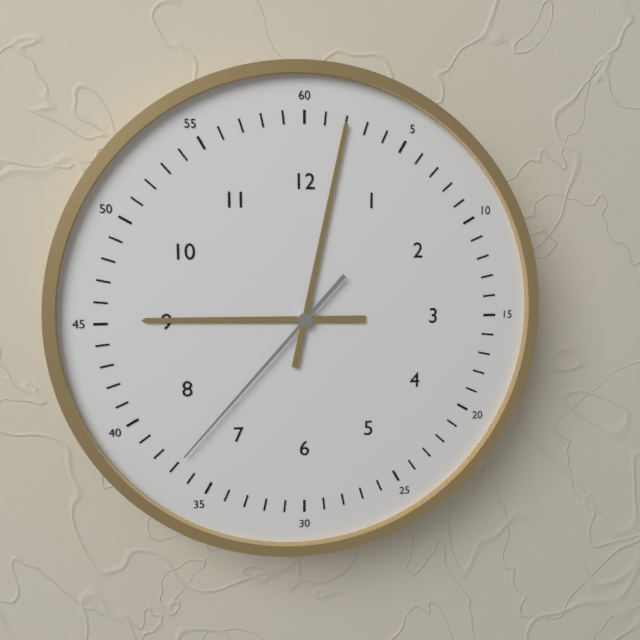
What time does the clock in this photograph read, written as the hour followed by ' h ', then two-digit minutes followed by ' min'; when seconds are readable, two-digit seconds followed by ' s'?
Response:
9 h 02 min 37 s
